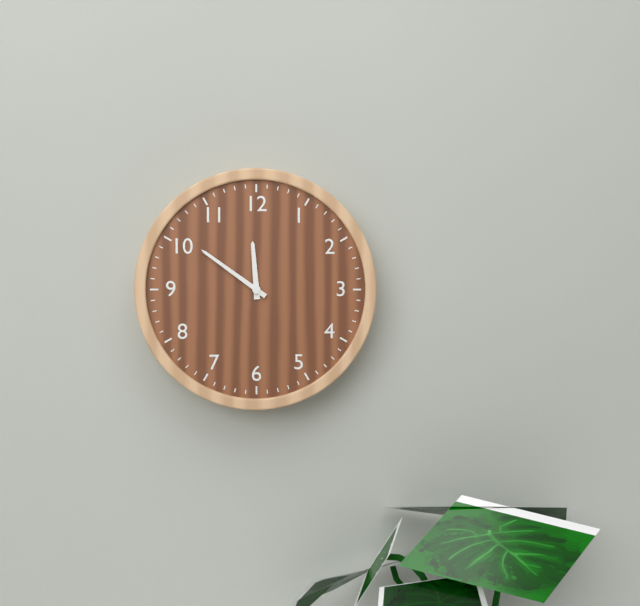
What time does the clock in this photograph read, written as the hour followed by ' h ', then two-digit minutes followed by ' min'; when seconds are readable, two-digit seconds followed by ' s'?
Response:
11 h 51 min
